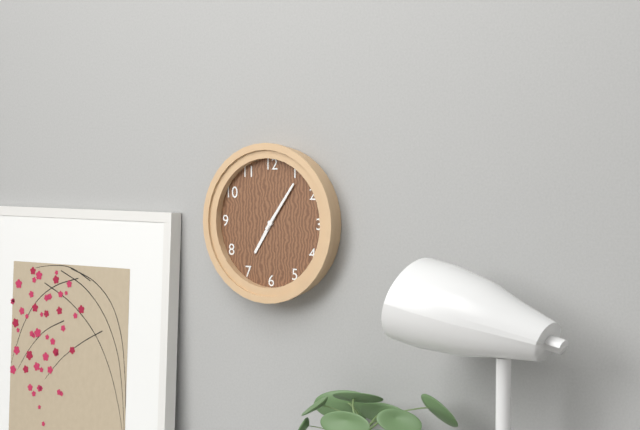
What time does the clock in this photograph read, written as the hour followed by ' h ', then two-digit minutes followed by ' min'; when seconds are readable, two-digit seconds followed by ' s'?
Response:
7 h 06 min
